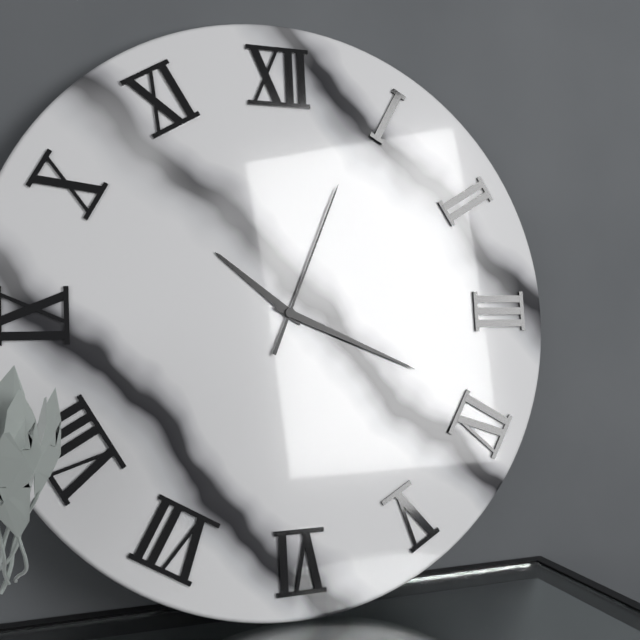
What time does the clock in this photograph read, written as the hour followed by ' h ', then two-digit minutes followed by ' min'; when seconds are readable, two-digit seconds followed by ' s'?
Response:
10 h 19 min 04 s
